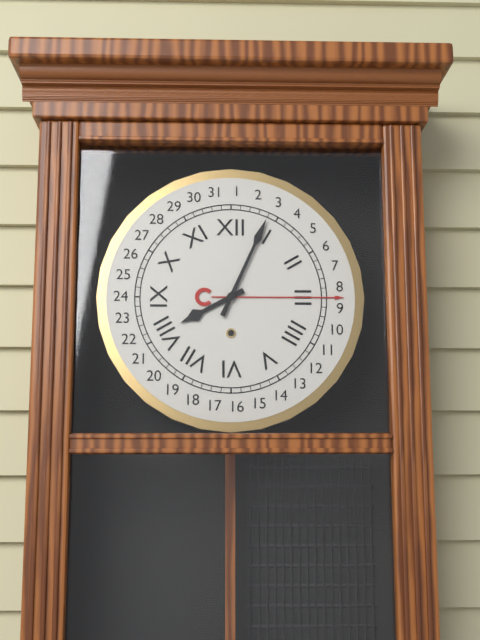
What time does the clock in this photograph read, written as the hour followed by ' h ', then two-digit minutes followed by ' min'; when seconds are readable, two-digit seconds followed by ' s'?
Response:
8 h 04 min
